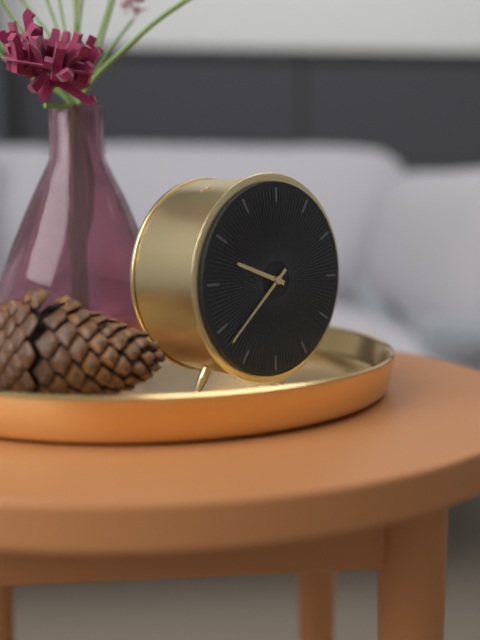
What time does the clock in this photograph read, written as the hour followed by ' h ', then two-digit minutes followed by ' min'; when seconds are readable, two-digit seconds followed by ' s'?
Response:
9 h 38 min
